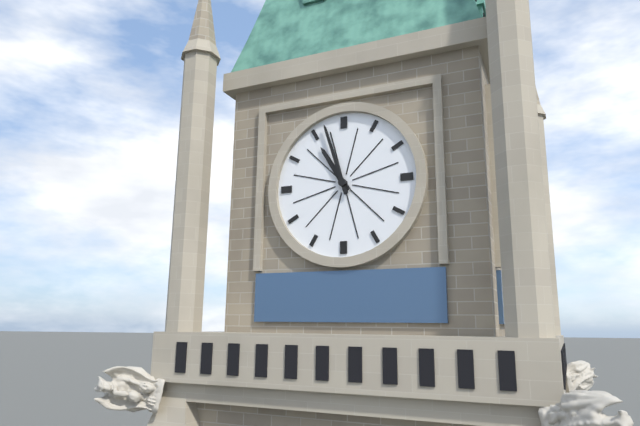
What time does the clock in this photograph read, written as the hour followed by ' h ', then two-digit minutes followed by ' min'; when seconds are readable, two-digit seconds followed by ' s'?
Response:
10 h 57 min
